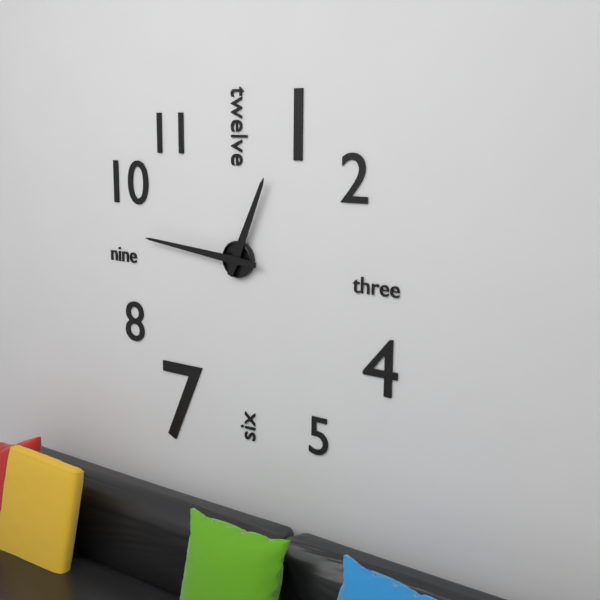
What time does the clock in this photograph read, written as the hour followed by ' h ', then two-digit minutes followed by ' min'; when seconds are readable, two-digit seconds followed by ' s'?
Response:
12 h 46 min
